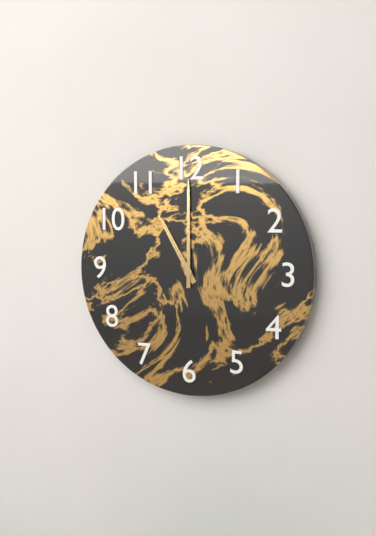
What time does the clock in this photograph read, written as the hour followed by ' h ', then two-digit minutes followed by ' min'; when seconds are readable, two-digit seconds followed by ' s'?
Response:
11 h 00 min
